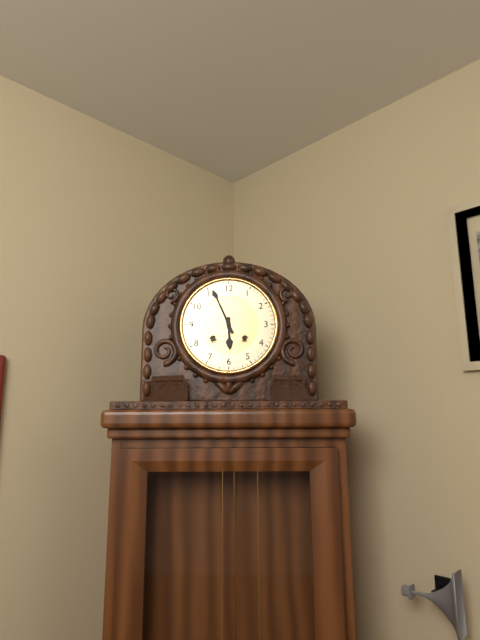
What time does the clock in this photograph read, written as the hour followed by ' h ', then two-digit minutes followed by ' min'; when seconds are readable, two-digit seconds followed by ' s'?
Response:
5 h 56 min
